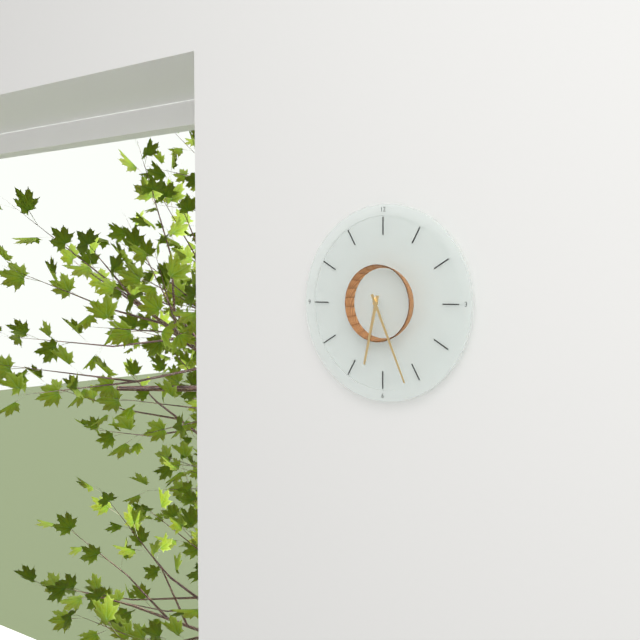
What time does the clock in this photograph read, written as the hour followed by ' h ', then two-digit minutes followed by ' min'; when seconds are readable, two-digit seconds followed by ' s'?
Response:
6 h 26 min
